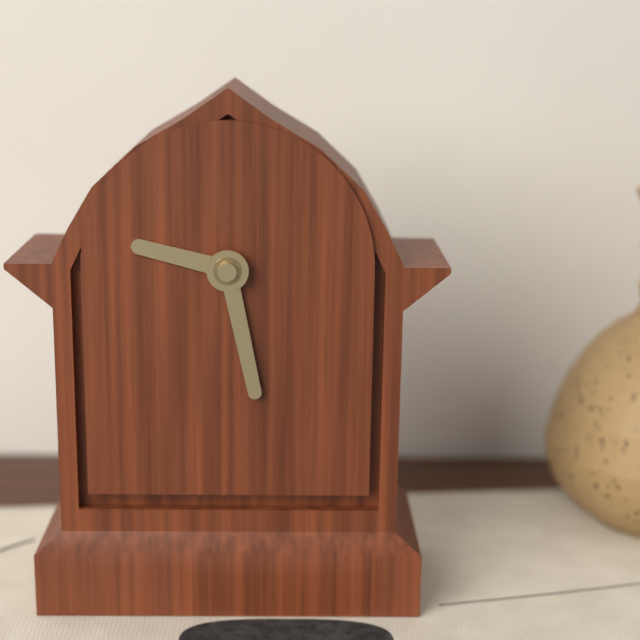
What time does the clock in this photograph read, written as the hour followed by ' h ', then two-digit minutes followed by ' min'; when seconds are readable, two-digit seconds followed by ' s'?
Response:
9 h 28 min
